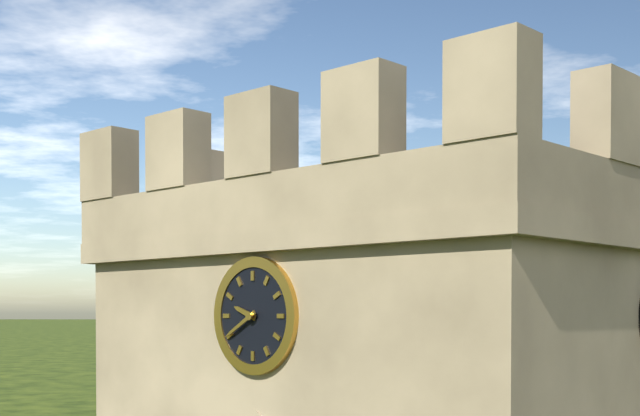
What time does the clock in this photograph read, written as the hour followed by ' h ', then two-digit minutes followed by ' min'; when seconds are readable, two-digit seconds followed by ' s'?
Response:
9 h 40 min
